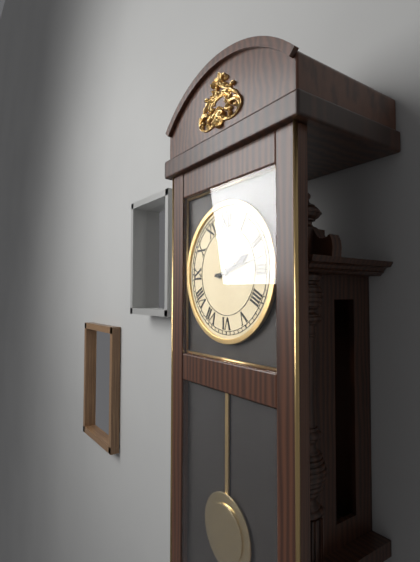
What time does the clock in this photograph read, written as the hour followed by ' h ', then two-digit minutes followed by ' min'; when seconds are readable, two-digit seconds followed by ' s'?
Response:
2 h 13 min
